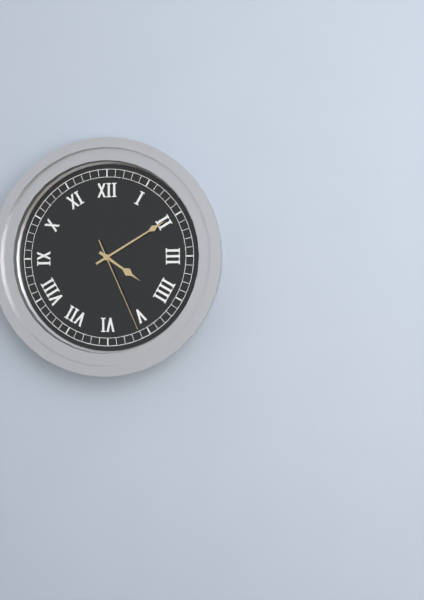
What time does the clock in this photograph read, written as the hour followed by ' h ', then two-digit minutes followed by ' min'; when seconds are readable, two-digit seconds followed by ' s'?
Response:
4 h 10 min 26 s
